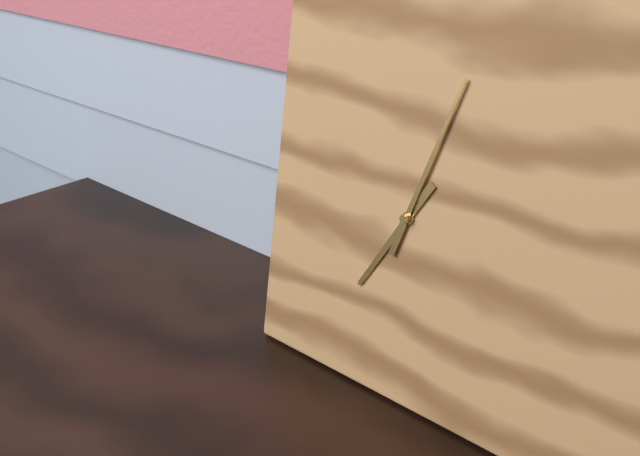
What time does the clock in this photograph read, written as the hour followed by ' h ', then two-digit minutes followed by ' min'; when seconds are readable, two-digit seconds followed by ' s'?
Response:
7 h 03 min
